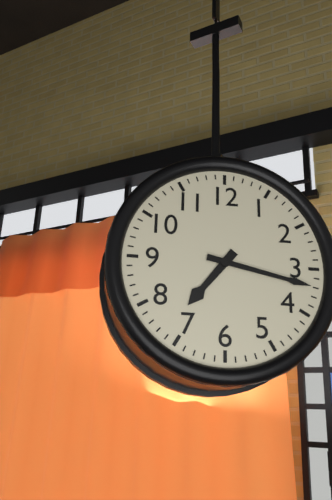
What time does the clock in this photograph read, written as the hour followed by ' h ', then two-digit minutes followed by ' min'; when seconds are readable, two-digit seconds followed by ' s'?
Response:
7 h 17 min
